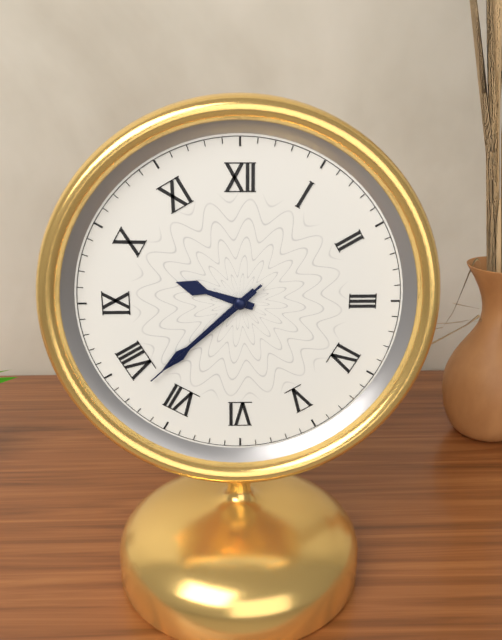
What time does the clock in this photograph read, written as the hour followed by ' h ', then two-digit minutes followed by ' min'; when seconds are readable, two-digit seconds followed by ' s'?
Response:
9 h 38 min 38 s
